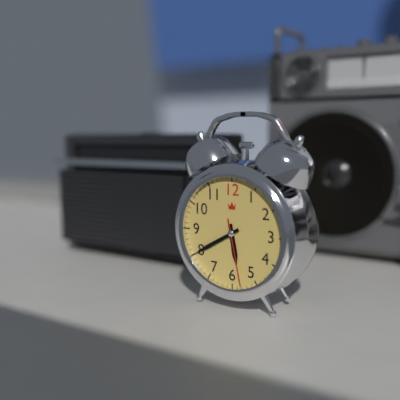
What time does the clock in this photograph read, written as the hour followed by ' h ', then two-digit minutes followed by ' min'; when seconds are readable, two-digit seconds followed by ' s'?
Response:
5 h 40 min 28 s
